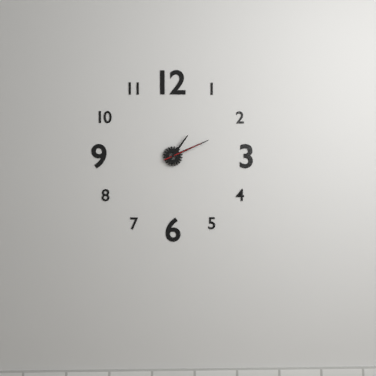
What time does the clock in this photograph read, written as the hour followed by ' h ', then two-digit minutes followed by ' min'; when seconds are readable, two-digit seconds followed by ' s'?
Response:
1 h 11 min
